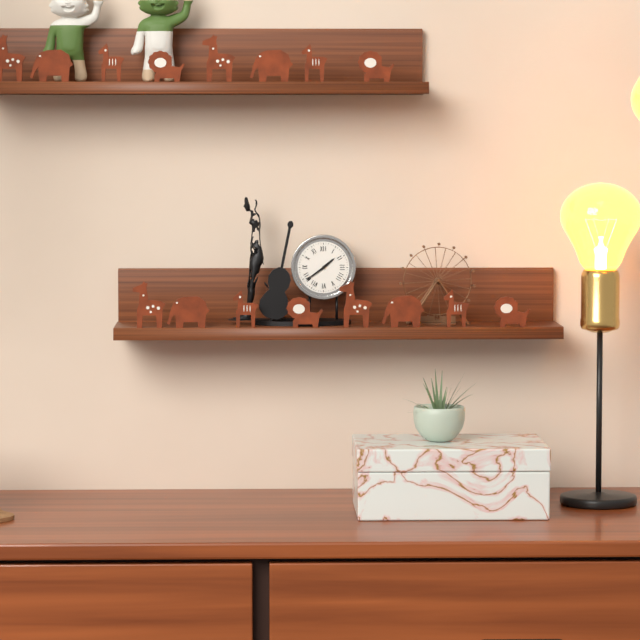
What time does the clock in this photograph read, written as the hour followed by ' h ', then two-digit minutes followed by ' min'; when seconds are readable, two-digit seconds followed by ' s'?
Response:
1 h 39 min
